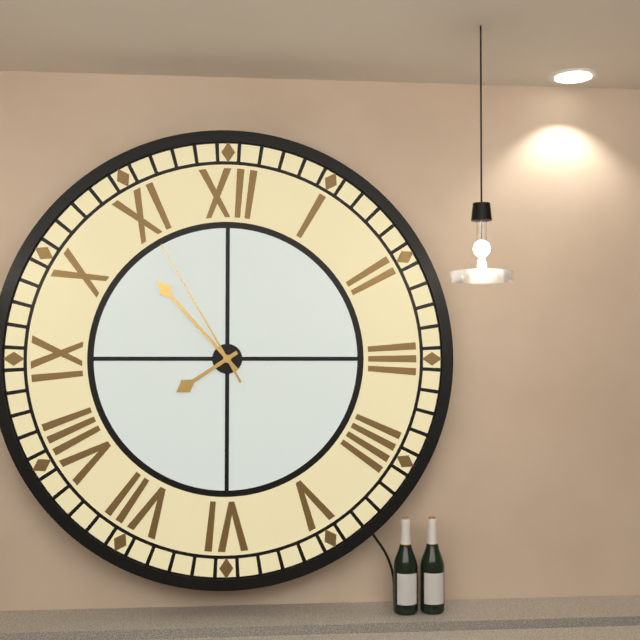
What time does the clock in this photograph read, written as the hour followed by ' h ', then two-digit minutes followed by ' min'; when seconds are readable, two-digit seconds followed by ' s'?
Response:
7 h 53 min 55 s
